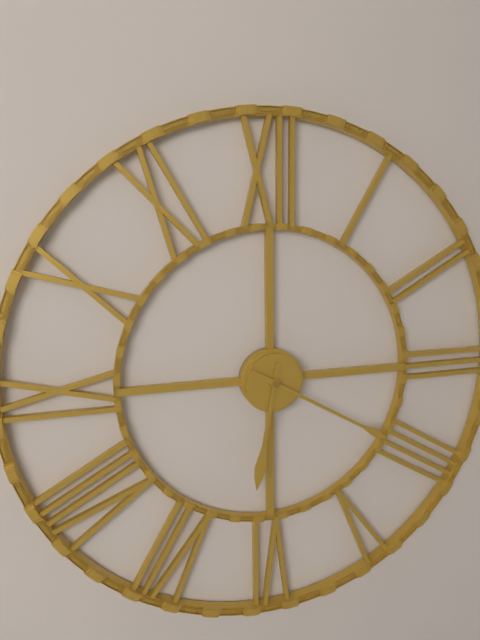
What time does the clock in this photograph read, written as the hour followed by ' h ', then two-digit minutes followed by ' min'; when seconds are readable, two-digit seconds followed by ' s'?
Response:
6 h 20 min
